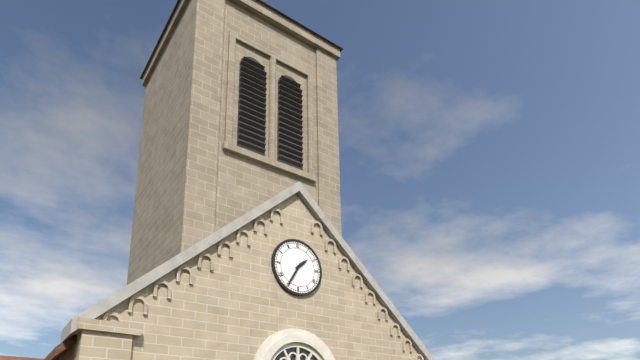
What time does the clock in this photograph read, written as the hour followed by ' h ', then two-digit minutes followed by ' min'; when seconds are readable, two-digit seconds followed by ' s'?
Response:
1 h 35 min
